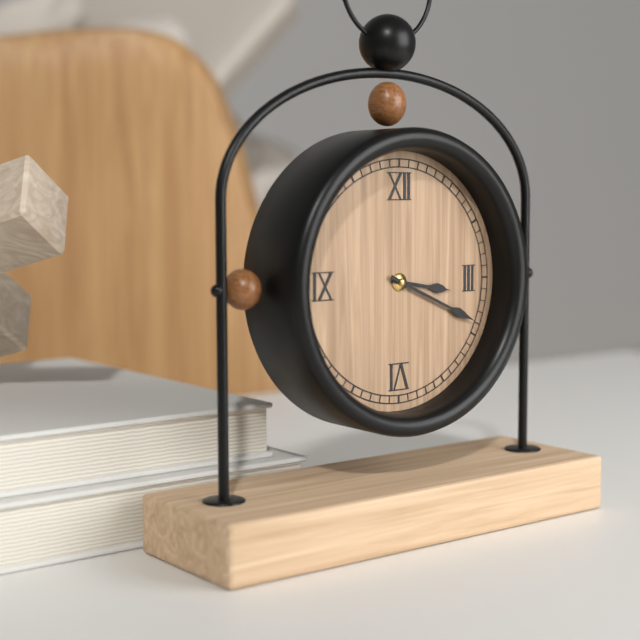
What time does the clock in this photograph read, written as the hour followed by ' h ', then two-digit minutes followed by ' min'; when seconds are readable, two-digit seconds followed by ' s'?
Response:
3 h 19 min
